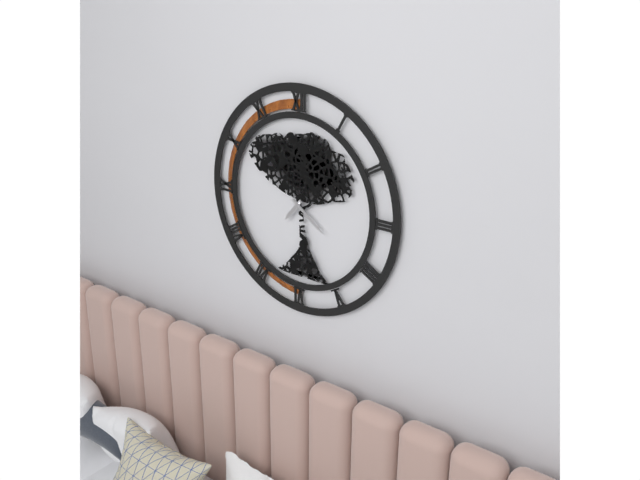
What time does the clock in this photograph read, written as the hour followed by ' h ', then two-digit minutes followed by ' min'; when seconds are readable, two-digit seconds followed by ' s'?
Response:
7 h 21 min
